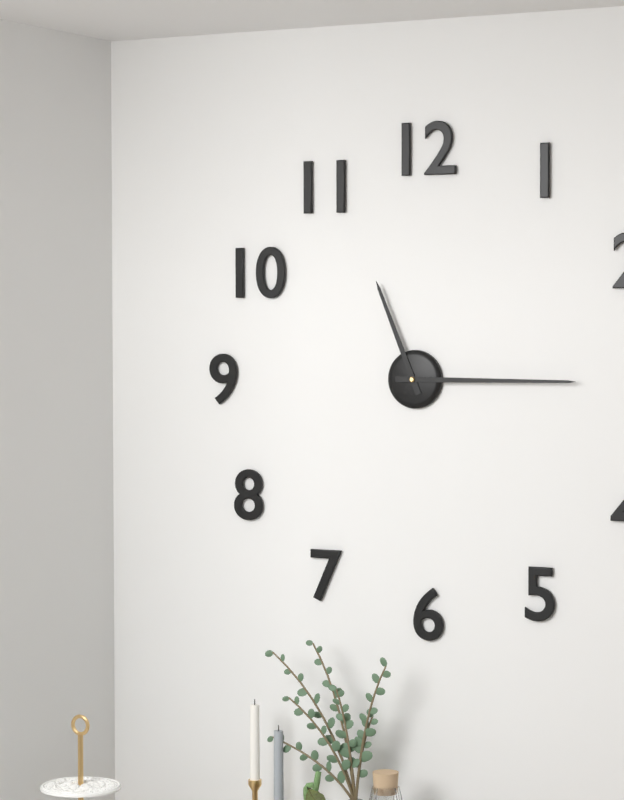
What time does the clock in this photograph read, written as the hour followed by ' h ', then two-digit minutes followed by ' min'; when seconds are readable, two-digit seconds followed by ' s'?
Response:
11 h 15 min
